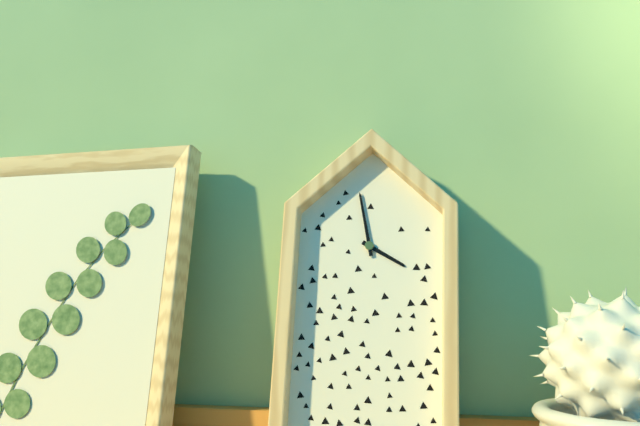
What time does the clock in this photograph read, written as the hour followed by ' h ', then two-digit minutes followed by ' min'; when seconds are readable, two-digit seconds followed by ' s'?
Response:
3 h 58 min
